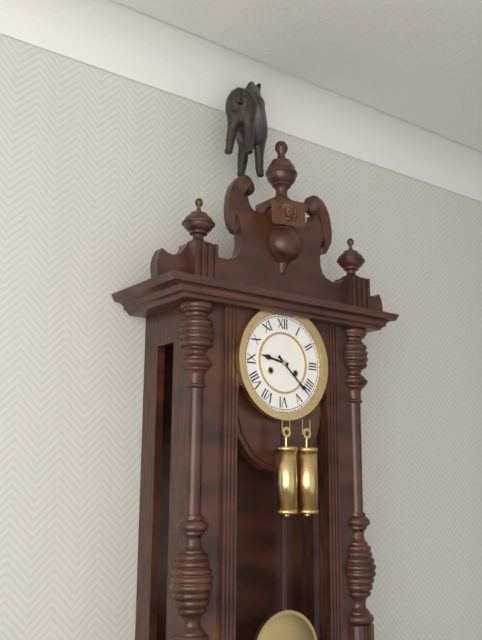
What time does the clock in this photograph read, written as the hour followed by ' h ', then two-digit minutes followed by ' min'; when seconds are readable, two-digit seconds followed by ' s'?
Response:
9 h 22 min
